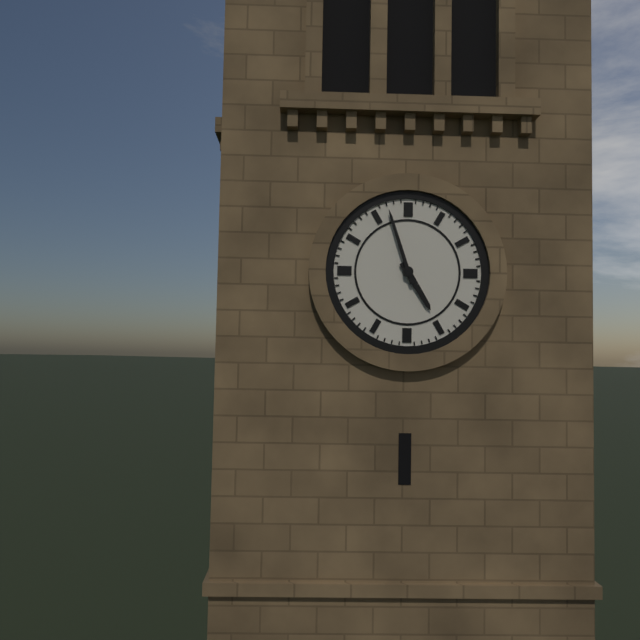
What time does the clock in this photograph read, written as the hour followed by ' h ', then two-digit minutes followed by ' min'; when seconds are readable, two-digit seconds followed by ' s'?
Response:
4 h 57 min
